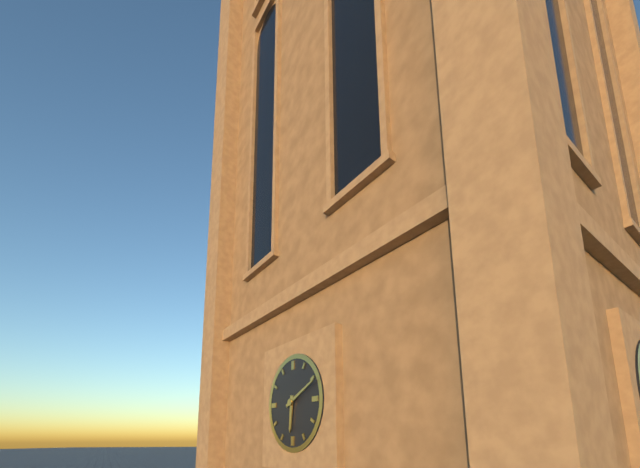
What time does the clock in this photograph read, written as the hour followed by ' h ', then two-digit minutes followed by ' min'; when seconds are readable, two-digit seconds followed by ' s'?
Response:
6 h 11 min
